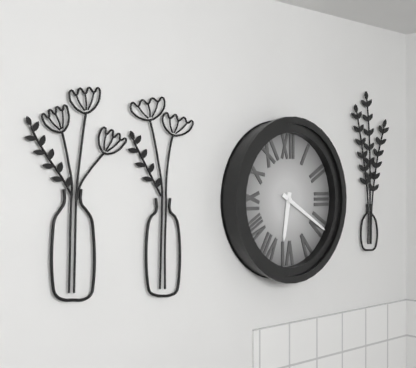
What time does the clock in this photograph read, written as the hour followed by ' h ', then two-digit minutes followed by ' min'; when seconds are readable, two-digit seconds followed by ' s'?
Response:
6 h 20 min
